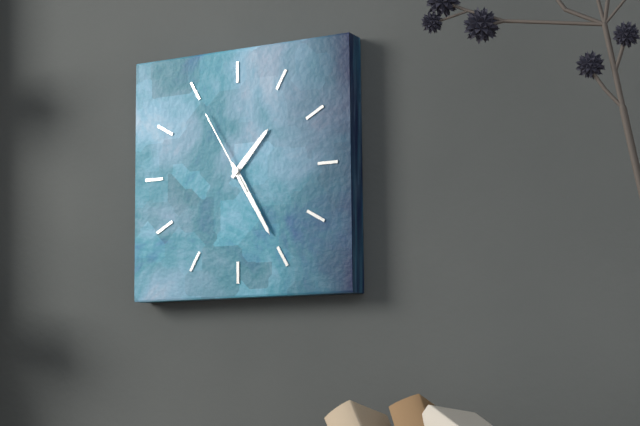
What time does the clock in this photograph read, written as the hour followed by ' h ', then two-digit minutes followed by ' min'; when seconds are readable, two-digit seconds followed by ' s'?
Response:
1 h 25 min 55 s
